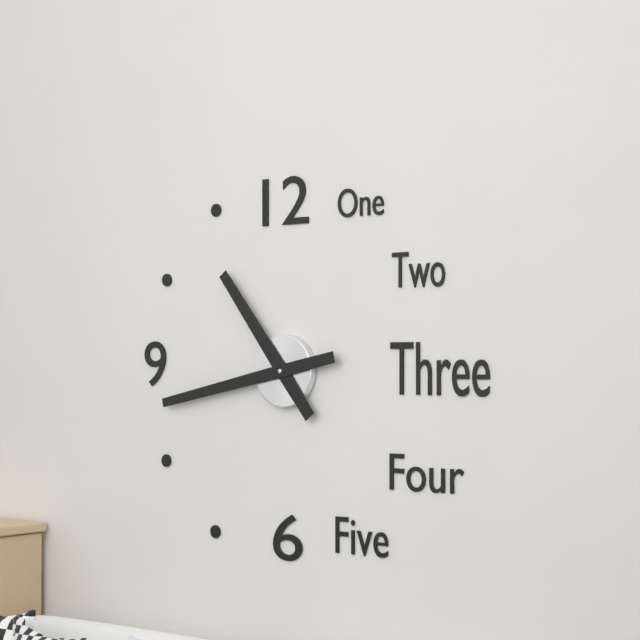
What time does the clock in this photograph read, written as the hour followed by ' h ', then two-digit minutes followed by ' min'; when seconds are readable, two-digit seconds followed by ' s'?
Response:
10 h 43 min
